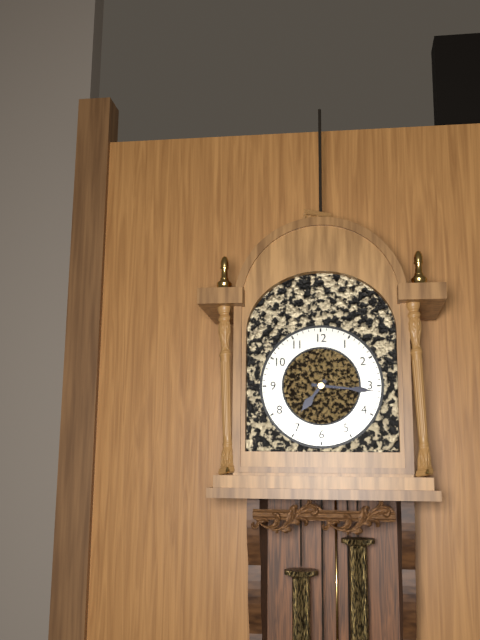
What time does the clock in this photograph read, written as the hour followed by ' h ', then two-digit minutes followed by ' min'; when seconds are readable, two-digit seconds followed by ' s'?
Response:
7 h 16 min
